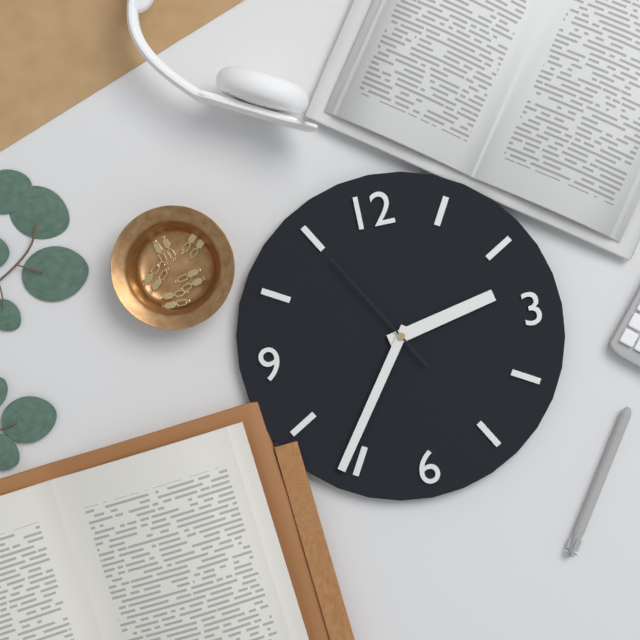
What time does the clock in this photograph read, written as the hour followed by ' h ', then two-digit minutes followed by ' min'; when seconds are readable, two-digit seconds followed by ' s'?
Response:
2 h 36 min 55 s
